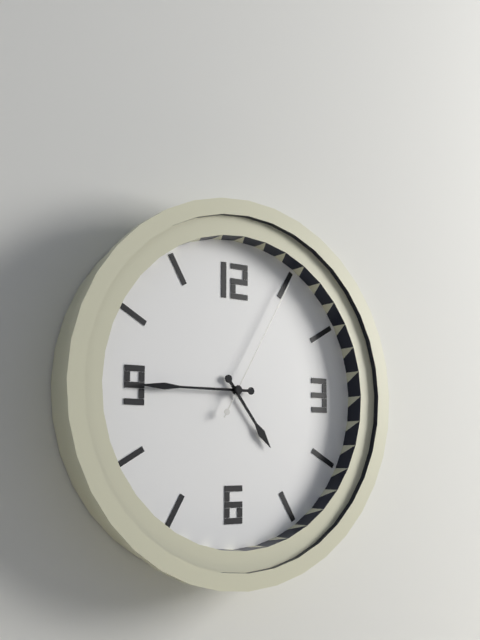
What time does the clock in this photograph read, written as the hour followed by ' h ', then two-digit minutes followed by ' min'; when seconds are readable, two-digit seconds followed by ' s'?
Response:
4 h 45 min 05 s
